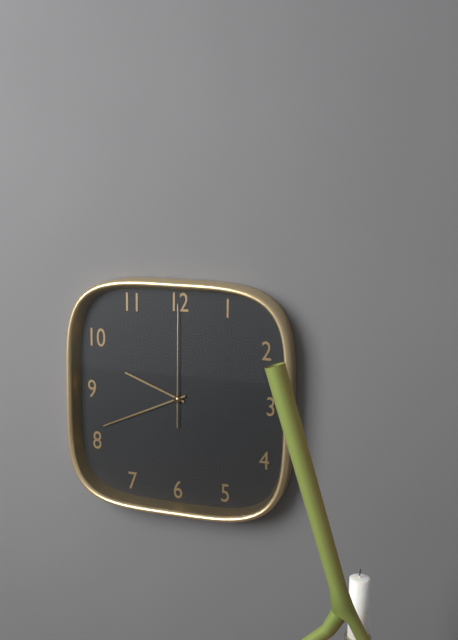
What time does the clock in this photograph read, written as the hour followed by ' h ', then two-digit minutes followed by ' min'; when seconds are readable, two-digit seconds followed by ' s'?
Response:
9 h 41 min 00 s
